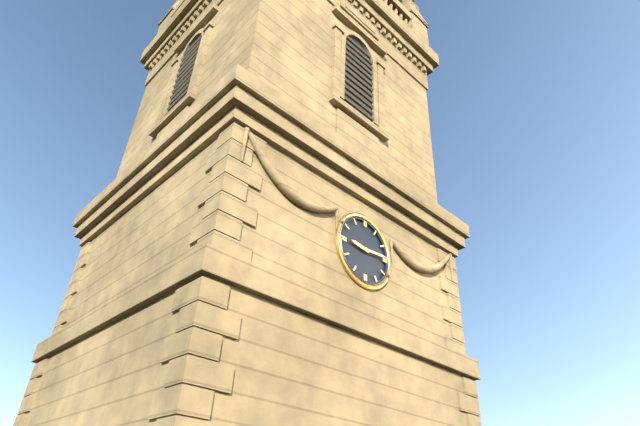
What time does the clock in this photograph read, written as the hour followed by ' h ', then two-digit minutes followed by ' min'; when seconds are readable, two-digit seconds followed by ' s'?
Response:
9 h 14 min
